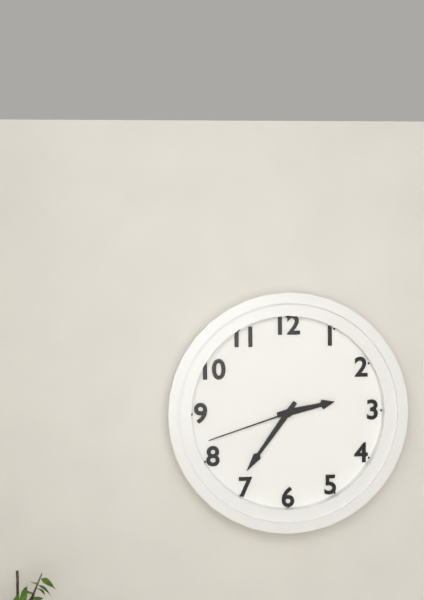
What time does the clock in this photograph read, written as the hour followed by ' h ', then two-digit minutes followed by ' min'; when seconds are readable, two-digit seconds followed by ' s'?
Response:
2 h 36 min 42 s
